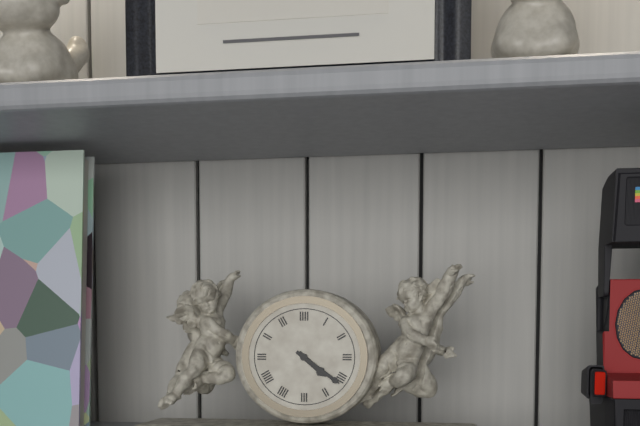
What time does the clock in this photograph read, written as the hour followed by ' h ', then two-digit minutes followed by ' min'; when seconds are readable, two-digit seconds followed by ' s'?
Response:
4 h 21 min
